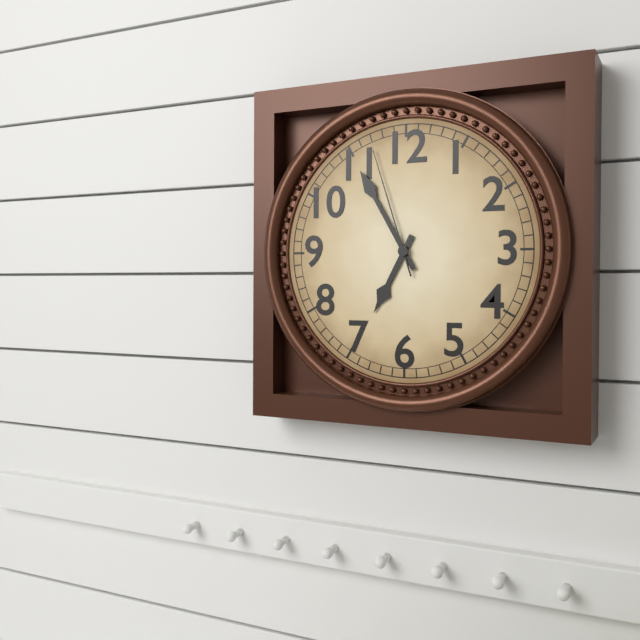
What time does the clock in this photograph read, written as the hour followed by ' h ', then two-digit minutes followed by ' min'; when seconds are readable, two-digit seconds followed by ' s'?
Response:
6 h 55 min 57 s
